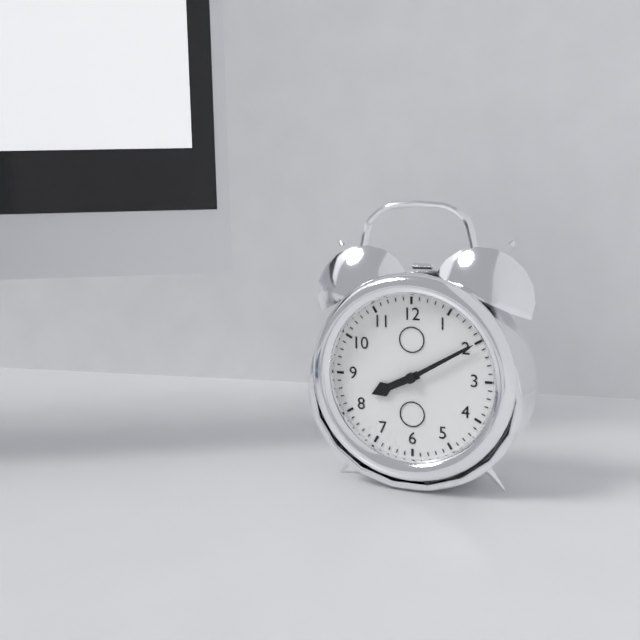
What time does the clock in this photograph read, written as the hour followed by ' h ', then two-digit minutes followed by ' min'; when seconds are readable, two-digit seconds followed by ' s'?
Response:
8 h 10 min
